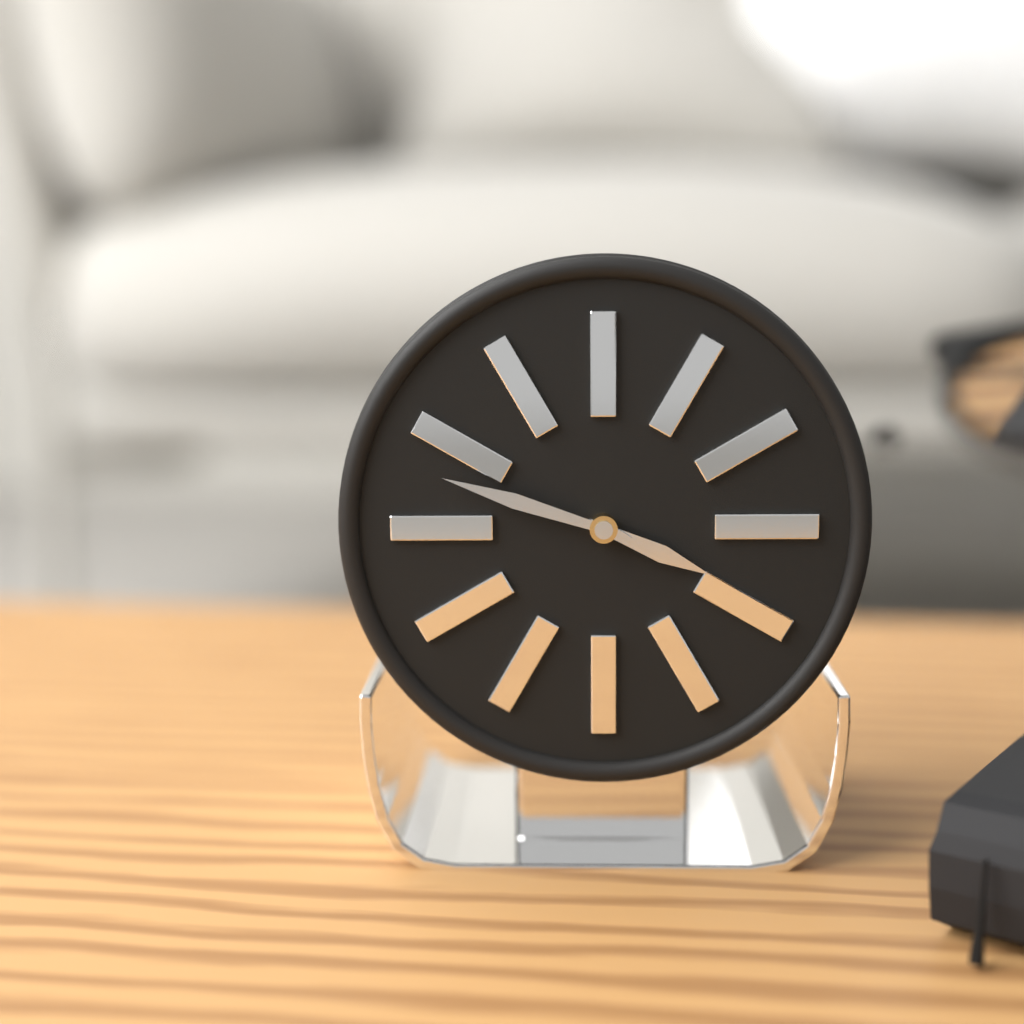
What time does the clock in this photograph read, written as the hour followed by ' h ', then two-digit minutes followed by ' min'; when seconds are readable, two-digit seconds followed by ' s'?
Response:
3 h 48 min
